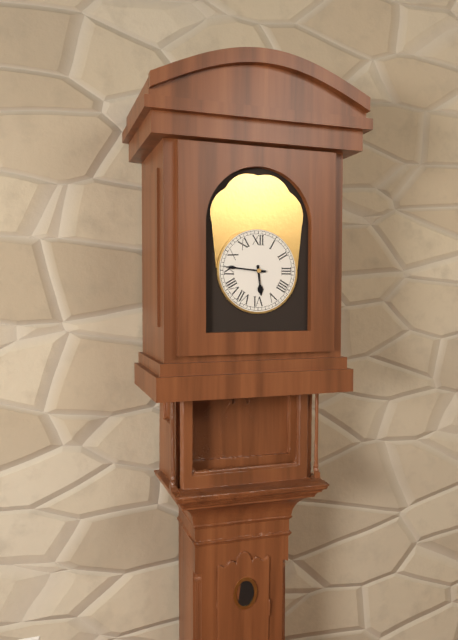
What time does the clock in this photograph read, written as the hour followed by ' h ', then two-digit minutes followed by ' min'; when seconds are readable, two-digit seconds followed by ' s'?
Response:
5 h 46 min
